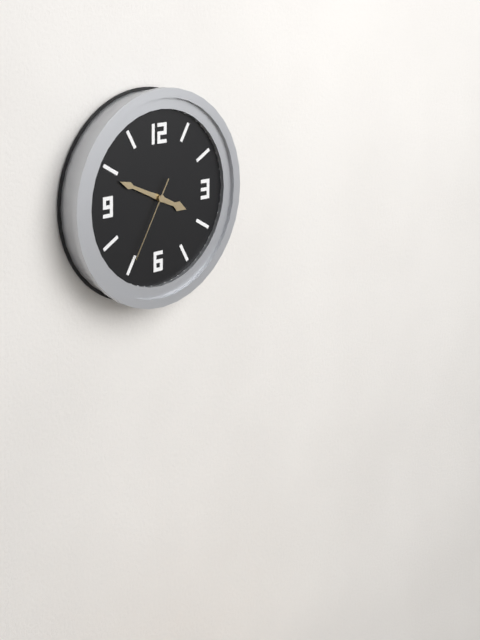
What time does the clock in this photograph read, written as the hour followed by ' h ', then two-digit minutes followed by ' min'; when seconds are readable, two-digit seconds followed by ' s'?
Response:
3 h 49 min 35 s
